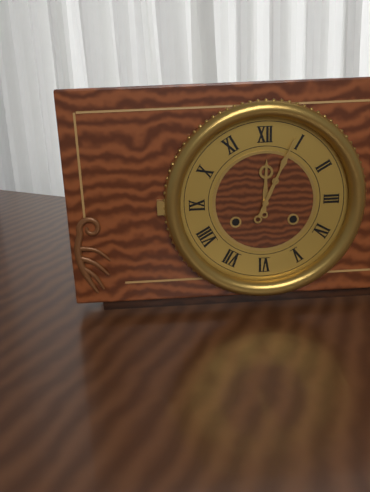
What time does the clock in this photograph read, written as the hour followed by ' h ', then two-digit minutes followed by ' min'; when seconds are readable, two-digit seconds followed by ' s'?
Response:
12 h 04 min
